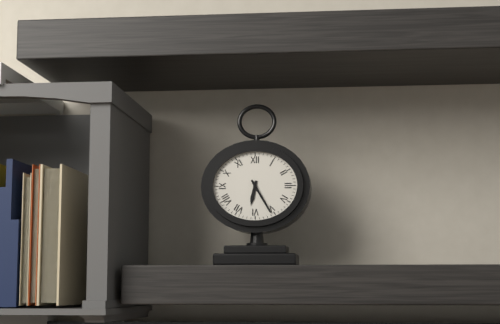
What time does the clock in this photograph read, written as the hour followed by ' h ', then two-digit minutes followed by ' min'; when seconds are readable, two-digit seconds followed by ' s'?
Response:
6 h 25 min
